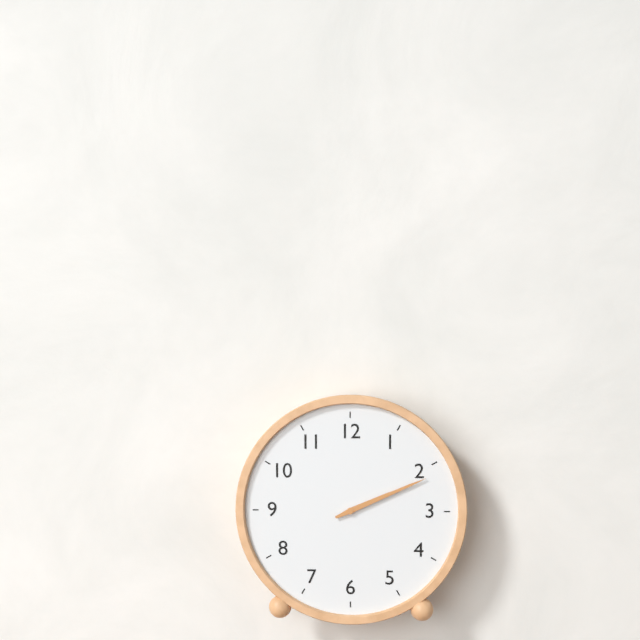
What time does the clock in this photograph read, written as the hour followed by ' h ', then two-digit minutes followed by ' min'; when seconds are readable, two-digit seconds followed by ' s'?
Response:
2 h 11 min
